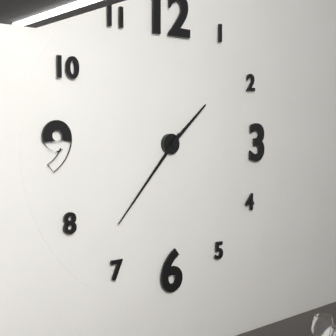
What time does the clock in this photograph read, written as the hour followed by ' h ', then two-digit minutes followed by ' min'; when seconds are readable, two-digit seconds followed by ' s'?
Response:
1 h 37 min
